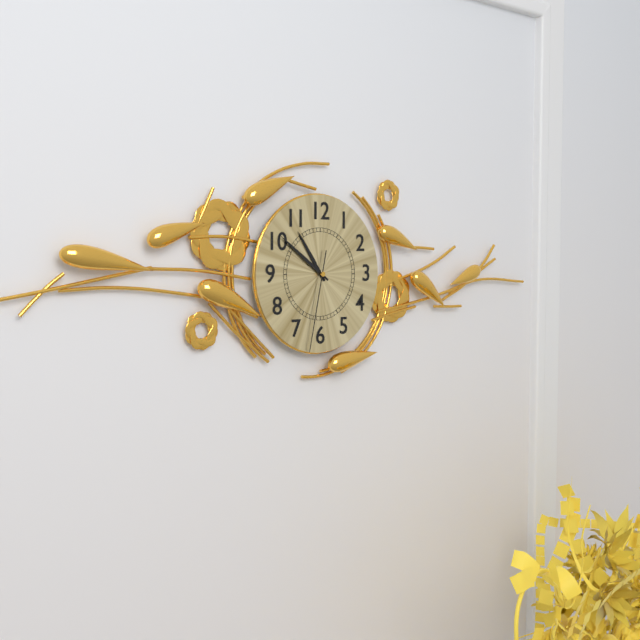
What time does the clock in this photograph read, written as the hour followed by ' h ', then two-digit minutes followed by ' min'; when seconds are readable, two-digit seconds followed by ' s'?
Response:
10 h 51 min 32 s
